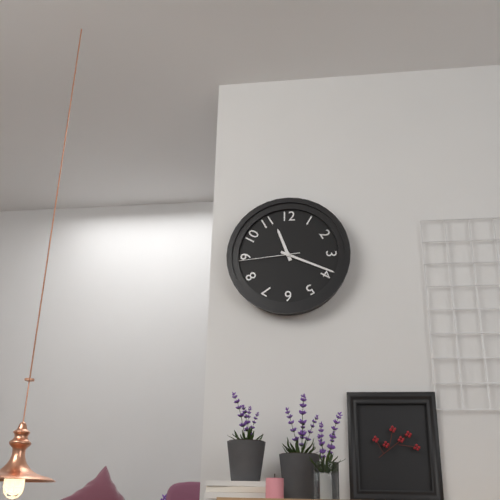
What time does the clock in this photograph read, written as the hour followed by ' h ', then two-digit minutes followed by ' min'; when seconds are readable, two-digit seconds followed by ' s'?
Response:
11 h 19 min 44 s
